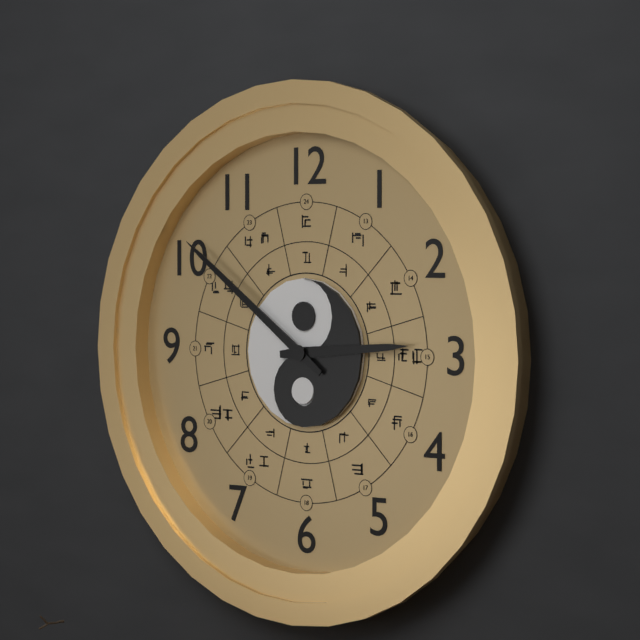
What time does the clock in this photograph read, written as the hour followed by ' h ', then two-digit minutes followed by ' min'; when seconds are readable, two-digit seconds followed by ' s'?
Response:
2 h 51 min
